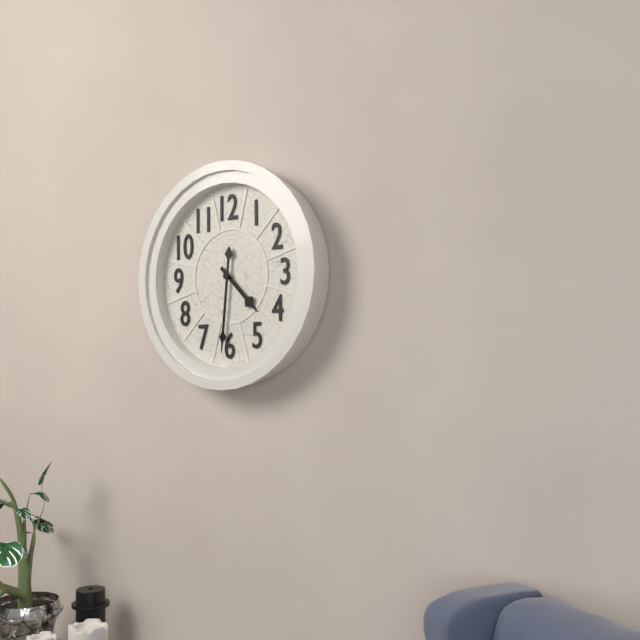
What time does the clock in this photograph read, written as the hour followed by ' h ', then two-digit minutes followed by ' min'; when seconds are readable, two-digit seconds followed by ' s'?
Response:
4 h 31 min
